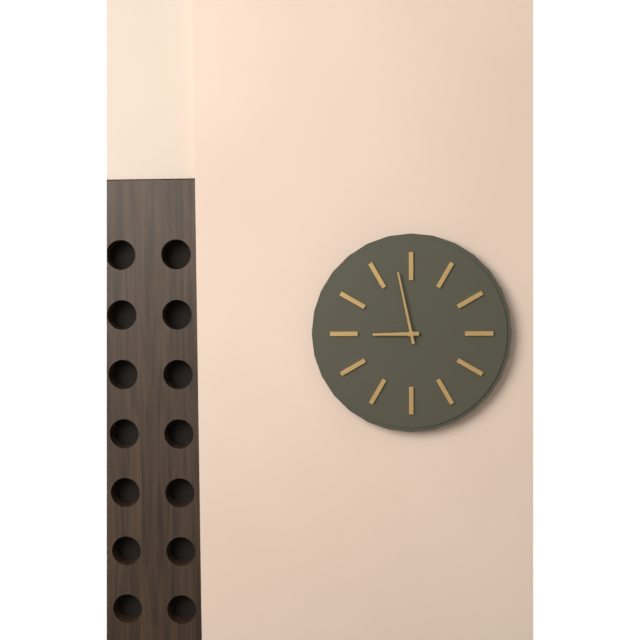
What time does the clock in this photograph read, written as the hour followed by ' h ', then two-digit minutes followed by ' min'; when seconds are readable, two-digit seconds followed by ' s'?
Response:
8 h 58 min
